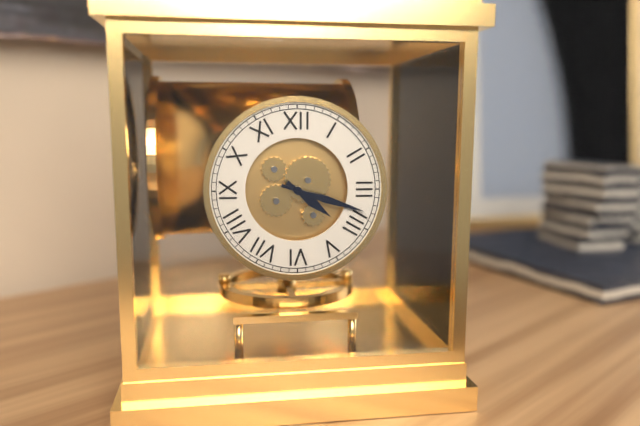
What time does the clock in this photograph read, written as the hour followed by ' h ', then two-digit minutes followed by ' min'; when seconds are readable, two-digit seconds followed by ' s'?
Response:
4 h 18 min
